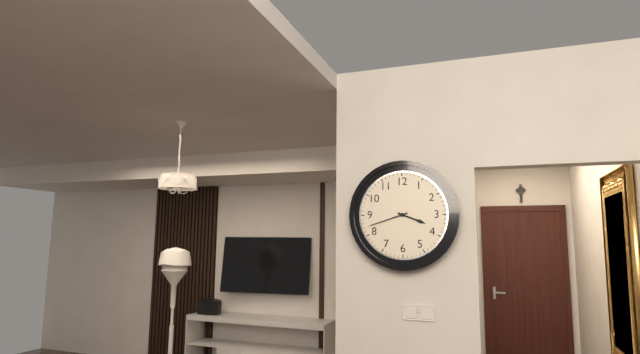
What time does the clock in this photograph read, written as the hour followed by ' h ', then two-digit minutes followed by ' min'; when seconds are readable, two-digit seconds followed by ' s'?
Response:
3 h 42 min
